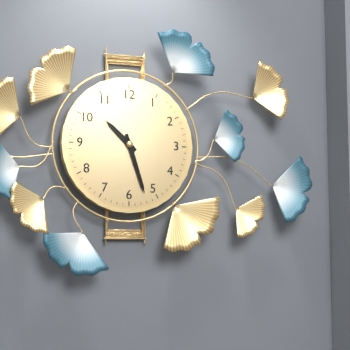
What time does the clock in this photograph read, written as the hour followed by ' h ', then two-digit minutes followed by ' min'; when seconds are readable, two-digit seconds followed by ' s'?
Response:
10 h 27 min
